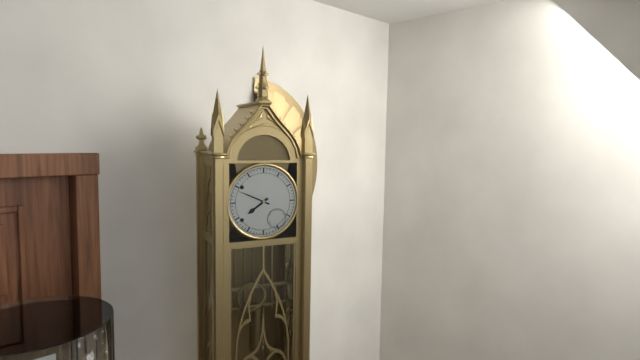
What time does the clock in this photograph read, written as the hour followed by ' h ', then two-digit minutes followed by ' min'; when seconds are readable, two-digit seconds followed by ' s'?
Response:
7 h 49 min
